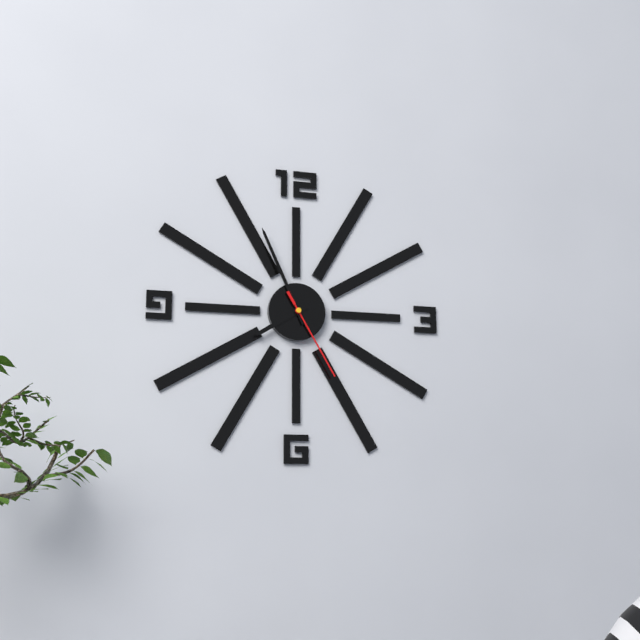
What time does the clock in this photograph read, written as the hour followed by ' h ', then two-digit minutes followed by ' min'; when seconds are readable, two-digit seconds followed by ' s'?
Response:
7 h 56 min 25 s
